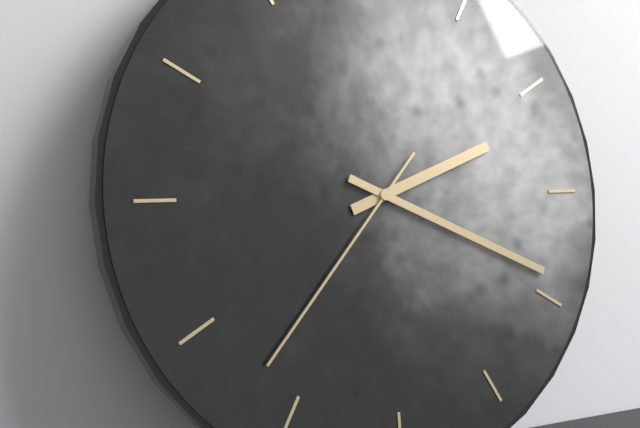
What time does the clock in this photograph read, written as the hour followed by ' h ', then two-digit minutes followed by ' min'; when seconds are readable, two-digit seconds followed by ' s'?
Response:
2 h 19 min 37 s
